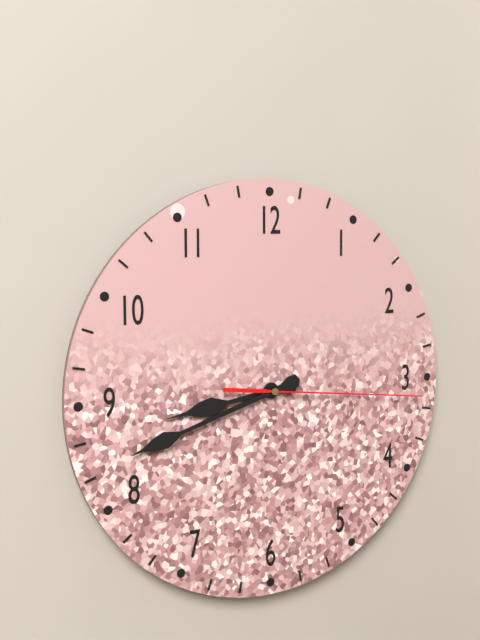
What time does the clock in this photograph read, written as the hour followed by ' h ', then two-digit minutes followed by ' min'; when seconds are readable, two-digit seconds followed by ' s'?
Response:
8 h 42 min 16 s
